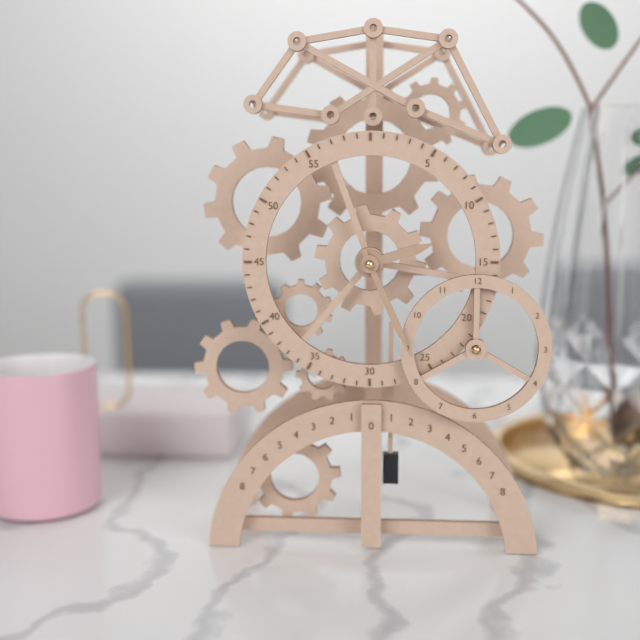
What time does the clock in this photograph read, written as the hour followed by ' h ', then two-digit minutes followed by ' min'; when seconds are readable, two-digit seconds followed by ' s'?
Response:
2 h 26 min
